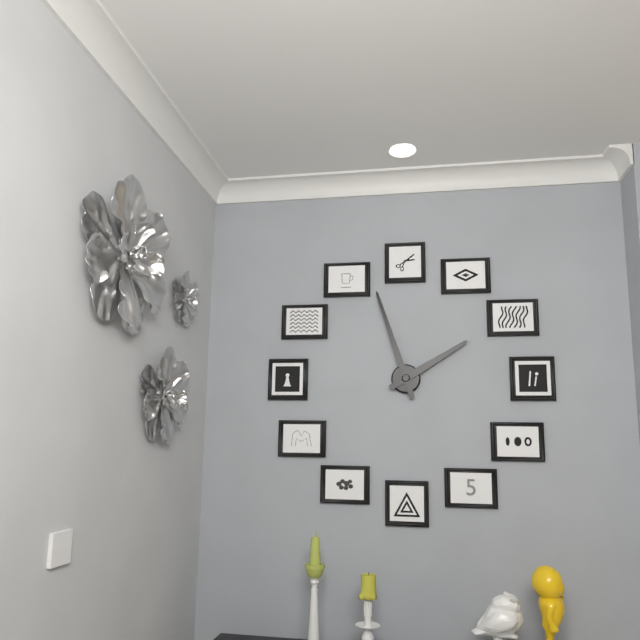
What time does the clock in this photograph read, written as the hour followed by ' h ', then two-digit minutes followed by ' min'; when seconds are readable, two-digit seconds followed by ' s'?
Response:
1 h 57 min
